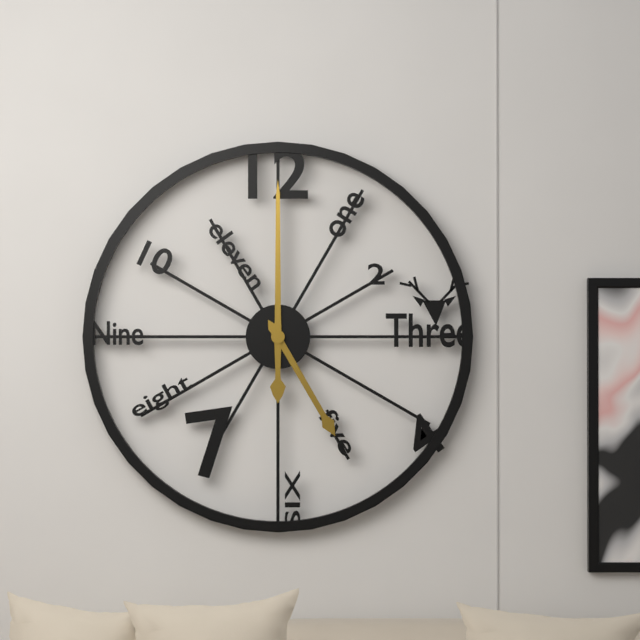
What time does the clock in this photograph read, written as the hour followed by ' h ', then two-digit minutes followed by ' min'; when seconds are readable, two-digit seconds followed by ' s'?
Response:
5 h 00 min
